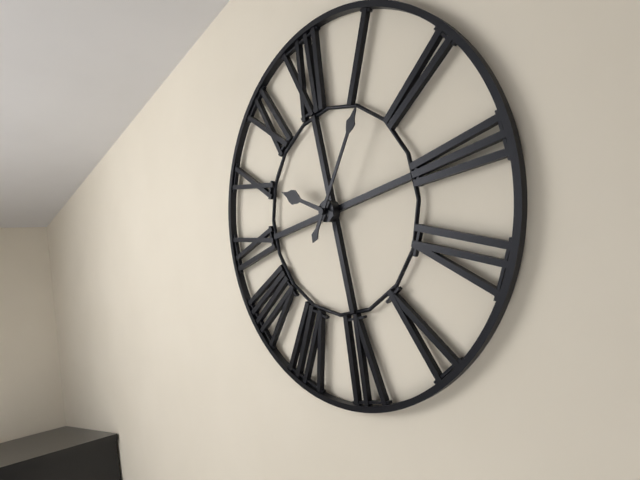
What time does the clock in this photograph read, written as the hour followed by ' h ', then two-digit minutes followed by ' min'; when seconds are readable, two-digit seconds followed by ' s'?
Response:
10 h 07 min
